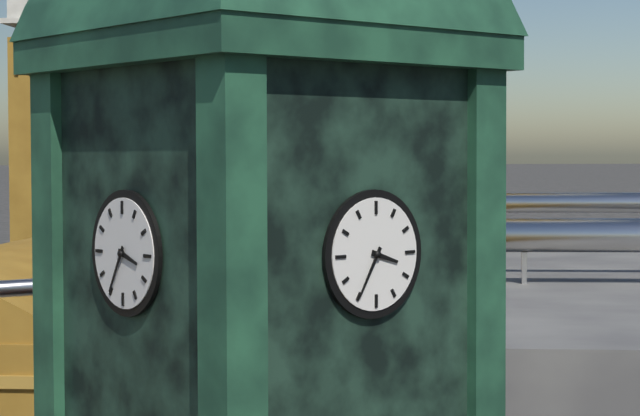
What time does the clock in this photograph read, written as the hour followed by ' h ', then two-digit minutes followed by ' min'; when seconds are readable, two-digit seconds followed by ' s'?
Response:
3 h 35 min
